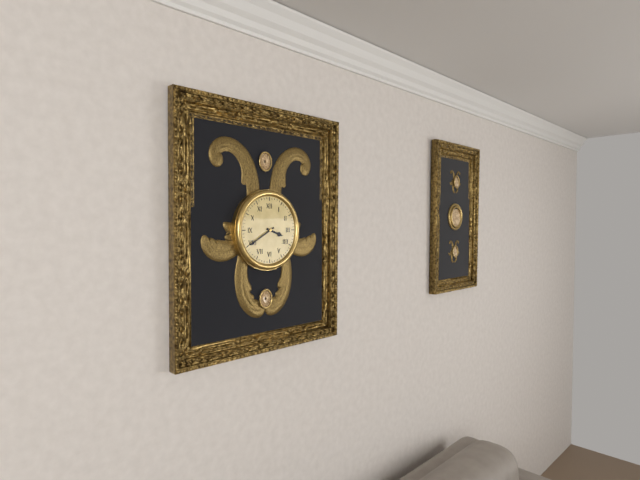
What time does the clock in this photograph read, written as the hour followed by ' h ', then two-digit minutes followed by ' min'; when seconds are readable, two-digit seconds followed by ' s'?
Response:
3 h 40 min
